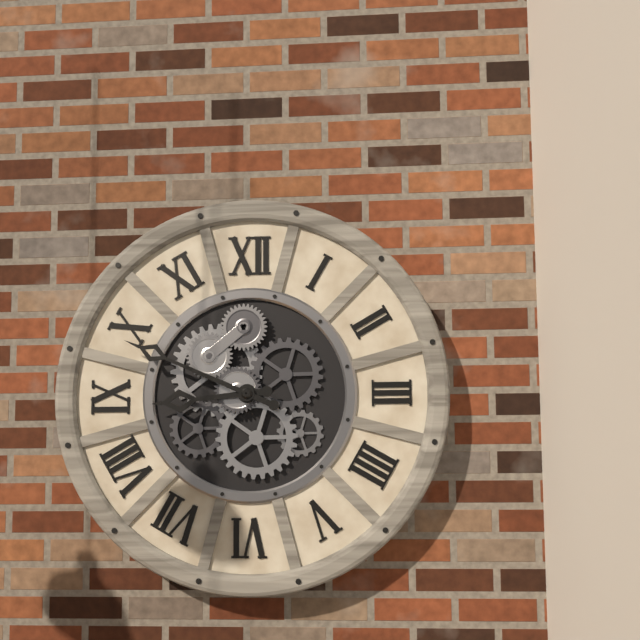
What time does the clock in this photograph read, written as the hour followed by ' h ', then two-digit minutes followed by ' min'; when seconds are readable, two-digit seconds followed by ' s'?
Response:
8 h 49 min
